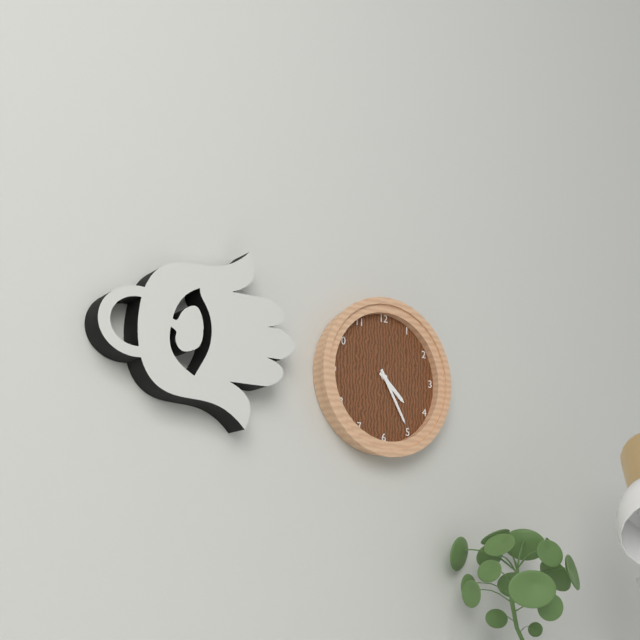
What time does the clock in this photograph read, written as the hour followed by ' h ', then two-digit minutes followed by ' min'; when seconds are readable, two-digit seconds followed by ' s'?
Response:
4 h 25 min
